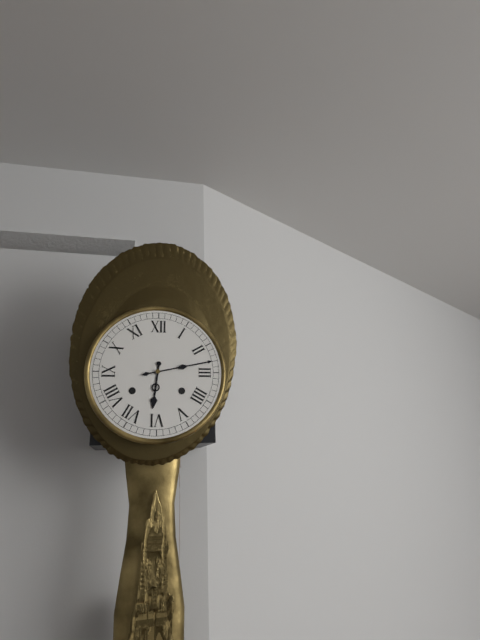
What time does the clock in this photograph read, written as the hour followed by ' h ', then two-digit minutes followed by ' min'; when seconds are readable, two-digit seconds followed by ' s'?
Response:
6 h 13 min
